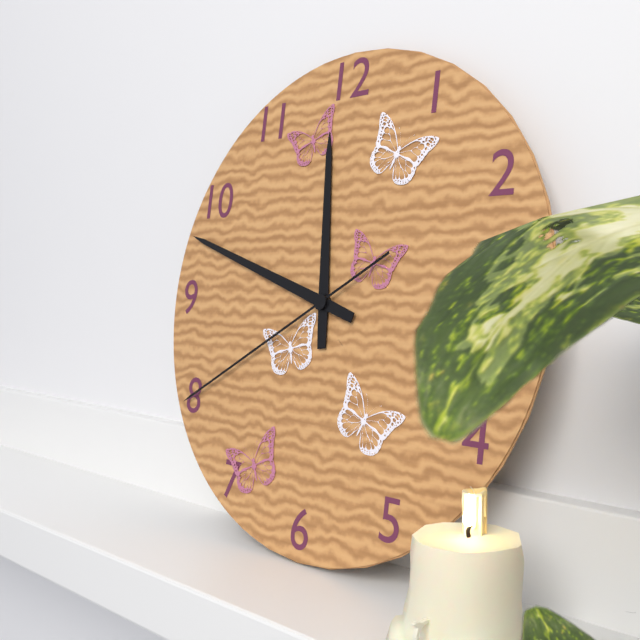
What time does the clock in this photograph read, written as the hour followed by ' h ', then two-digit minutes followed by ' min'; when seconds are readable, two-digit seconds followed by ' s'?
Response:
11 h 48 min 40 s
